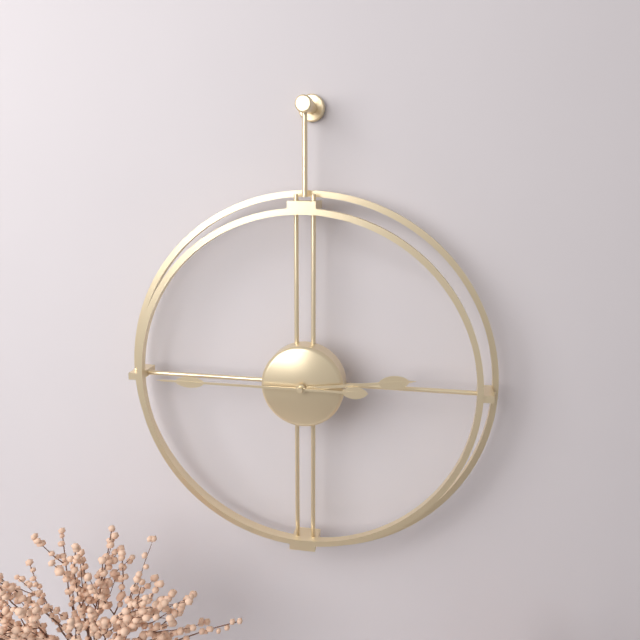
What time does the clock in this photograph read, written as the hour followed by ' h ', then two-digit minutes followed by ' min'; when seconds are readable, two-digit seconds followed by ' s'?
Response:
2 h 45 min
